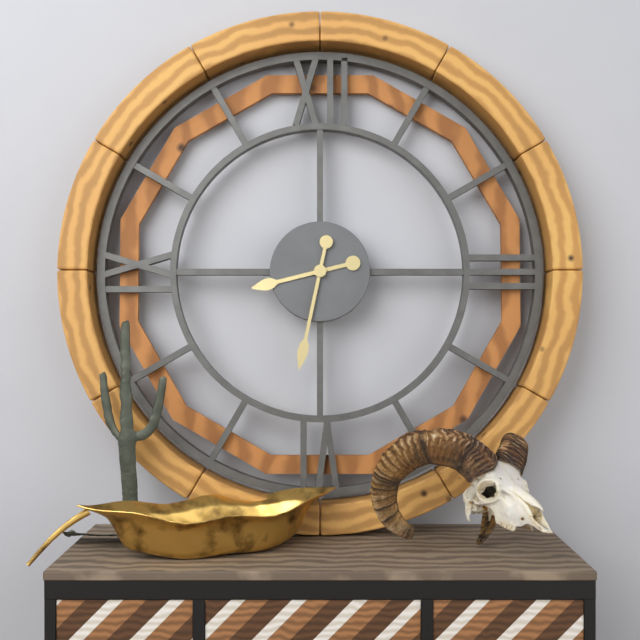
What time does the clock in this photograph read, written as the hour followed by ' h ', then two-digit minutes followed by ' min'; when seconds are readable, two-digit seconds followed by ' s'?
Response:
8 h 32 min
